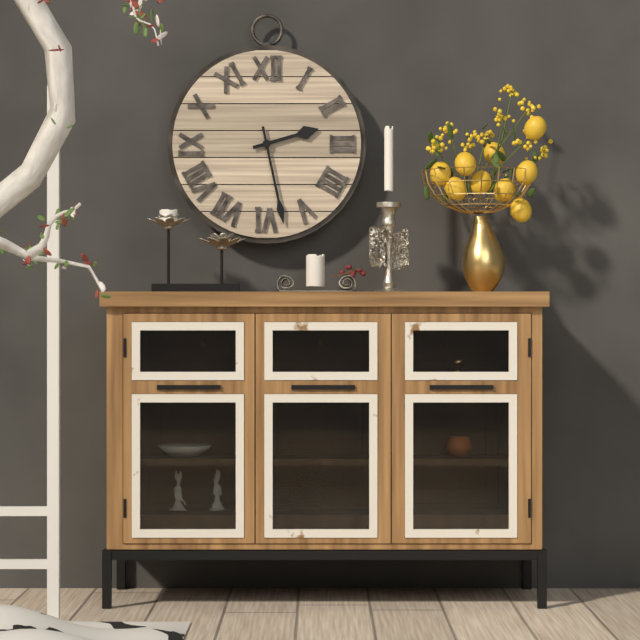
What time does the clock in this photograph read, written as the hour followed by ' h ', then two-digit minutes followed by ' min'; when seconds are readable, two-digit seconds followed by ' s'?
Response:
2 h 28 min
